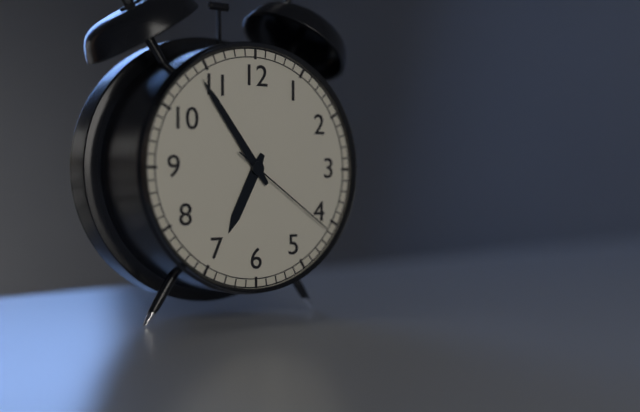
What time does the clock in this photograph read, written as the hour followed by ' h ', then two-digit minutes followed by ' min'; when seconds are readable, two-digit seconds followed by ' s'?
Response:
6 h 54 min 21 s
